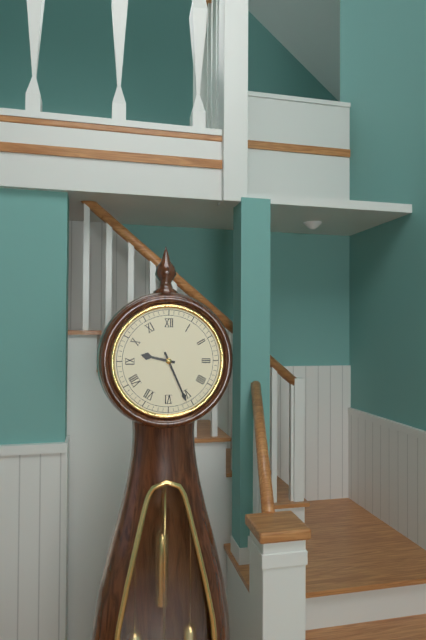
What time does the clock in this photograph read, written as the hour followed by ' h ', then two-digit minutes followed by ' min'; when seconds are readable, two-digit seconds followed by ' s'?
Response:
9 h 26 min
